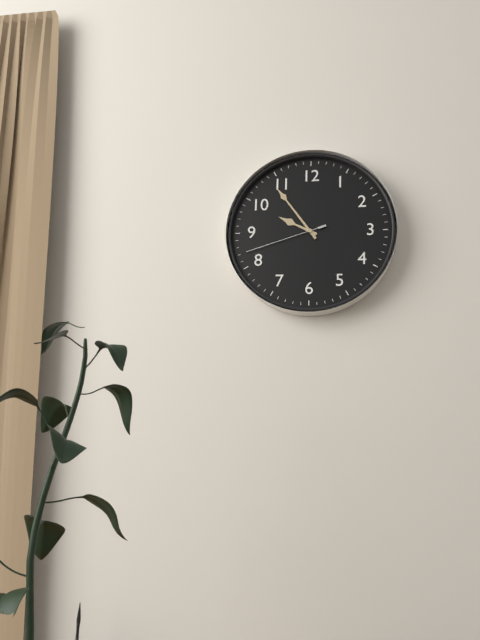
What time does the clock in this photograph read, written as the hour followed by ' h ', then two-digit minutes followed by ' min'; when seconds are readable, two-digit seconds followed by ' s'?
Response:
9 h 54 min 42 s
